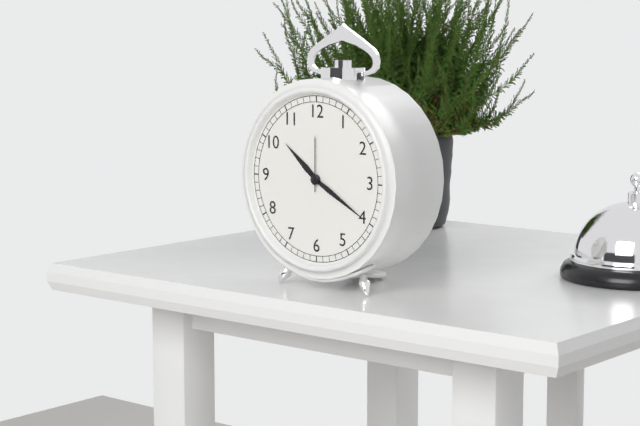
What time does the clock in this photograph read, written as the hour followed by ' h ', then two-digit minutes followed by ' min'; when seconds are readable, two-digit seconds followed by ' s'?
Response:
10 h 20 min 00 s
